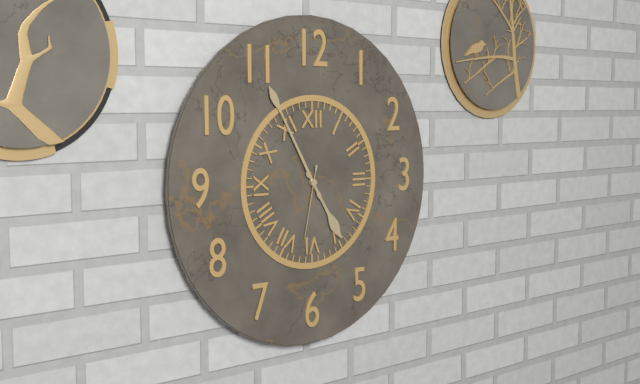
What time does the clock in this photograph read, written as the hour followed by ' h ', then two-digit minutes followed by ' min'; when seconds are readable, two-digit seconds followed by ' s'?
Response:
4 h 55 min 32 s
